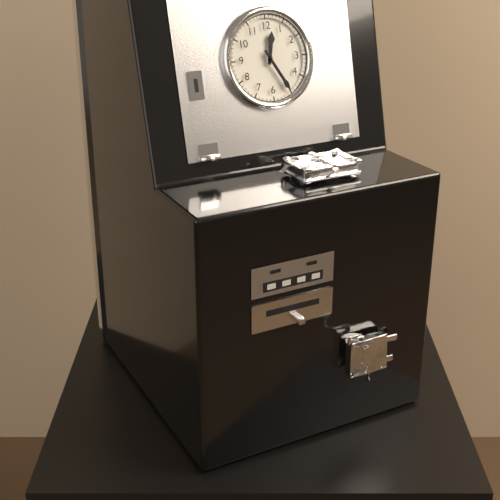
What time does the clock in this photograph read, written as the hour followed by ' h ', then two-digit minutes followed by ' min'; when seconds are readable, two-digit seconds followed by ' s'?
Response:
12 h 25 min
